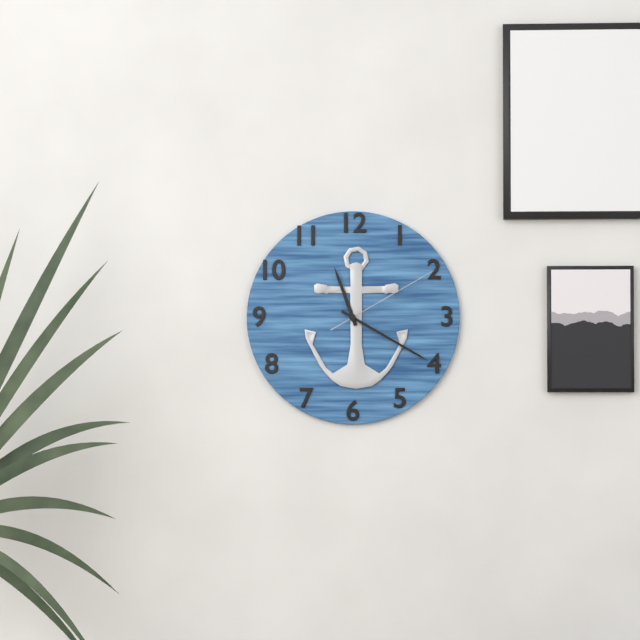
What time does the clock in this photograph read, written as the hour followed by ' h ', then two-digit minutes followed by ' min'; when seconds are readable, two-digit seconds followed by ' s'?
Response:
11 h 20 min 10 s
